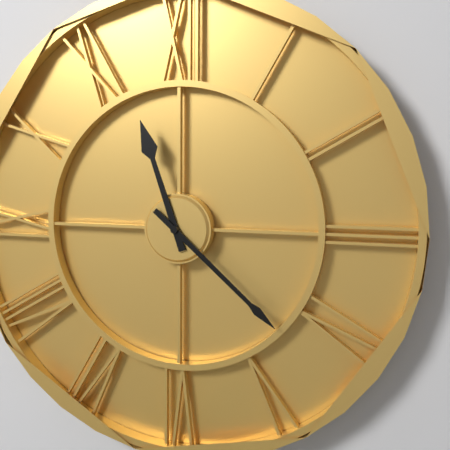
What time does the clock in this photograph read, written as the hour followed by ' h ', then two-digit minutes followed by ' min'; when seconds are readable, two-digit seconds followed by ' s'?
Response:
11 h 22 min
